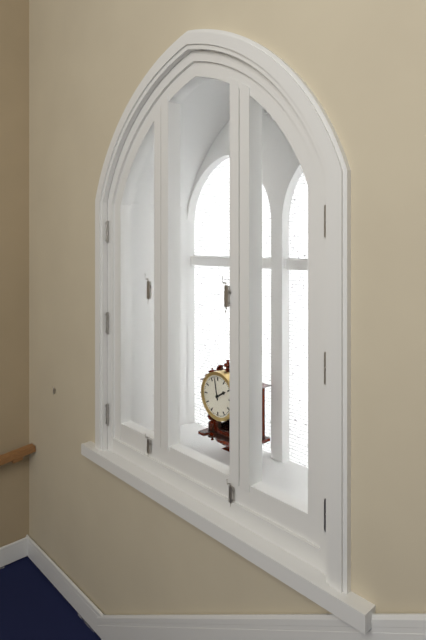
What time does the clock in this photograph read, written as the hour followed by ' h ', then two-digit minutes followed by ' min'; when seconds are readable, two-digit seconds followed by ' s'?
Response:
1 h 58 min
